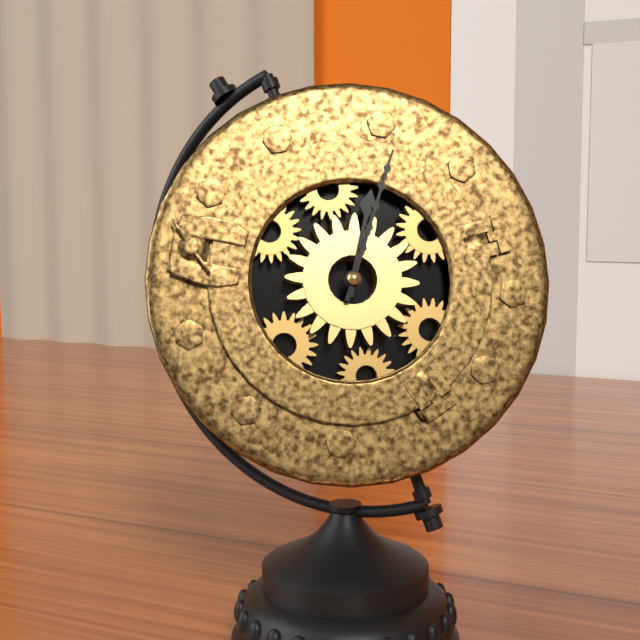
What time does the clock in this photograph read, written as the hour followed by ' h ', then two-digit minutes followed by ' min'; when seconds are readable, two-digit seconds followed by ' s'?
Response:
12 h 01 min
